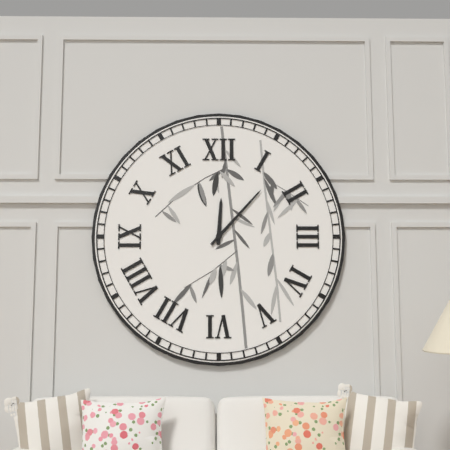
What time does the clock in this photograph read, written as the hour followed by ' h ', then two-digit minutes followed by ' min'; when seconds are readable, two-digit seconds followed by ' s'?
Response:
12 h 07 min
